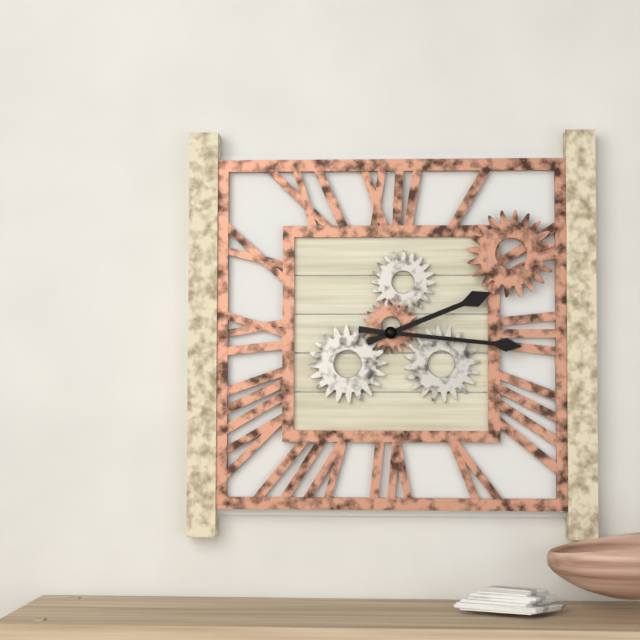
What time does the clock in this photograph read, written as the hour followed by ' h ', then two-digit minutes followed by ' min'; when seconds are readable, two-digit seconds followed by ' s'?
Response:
2 h 16 min
